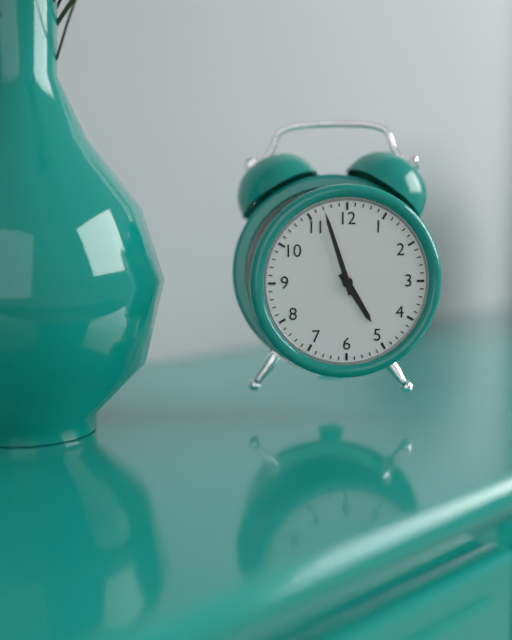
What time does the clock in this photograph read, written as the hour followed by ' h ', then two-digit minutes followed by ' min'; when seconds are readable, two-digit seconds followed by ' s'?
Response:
4 h 57 min
